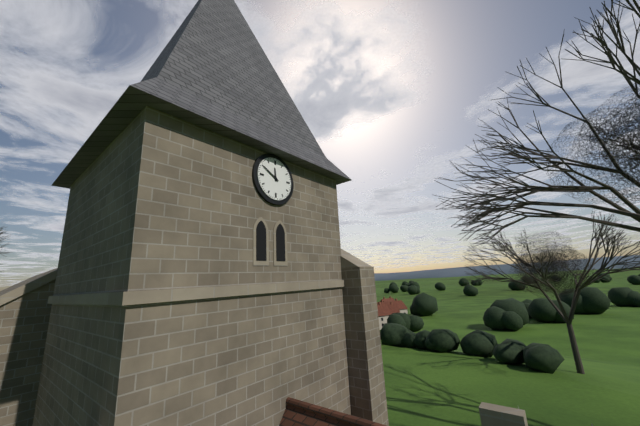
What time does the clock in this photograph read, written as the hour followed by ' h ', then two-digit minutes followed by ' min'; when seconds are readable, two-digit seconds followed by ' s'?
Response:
11 h 50 min
